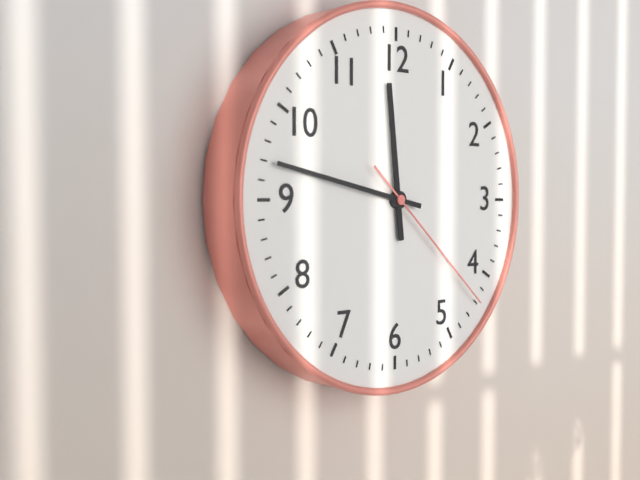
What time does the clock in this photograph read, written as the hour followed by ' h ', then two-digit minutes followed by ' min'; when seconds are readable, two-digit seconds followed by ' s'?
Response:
11 h 47 min 22 s
